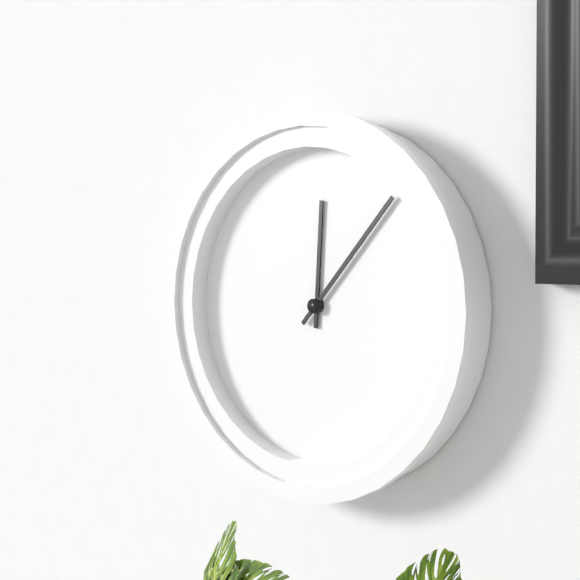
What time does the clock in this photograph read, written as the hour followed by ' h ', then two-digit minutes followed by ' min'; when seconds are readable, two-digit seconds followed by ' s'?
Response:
12 h 07 min
